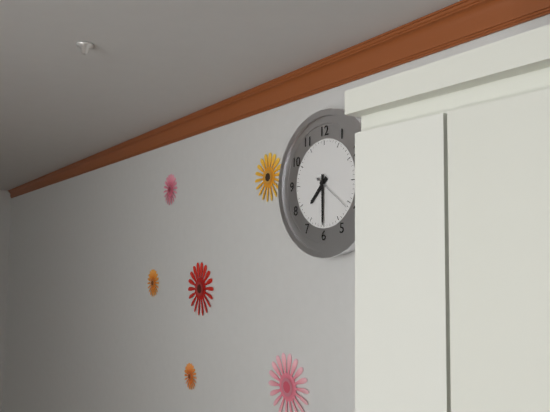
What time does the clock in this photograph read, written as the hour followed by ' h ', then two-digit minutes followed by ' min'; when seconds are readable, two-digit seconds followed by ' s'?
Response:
7 h 30 min
